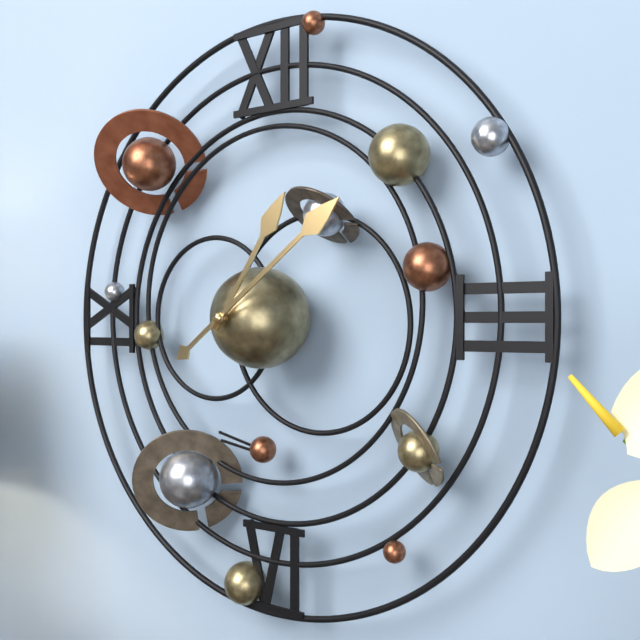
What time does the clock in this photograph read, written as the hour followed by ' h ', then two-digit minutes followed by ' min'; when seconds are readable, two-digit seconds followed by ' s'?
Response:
1 h 09 min
